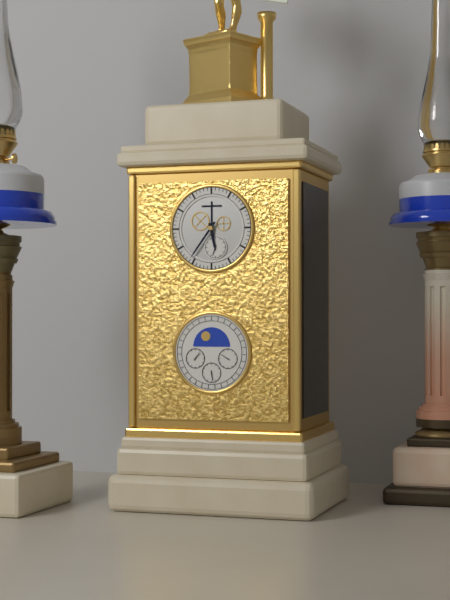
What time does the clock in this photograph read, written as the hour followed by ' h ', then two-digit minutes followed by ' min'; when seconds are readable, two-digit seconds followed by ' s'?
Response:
5 h 36 min
